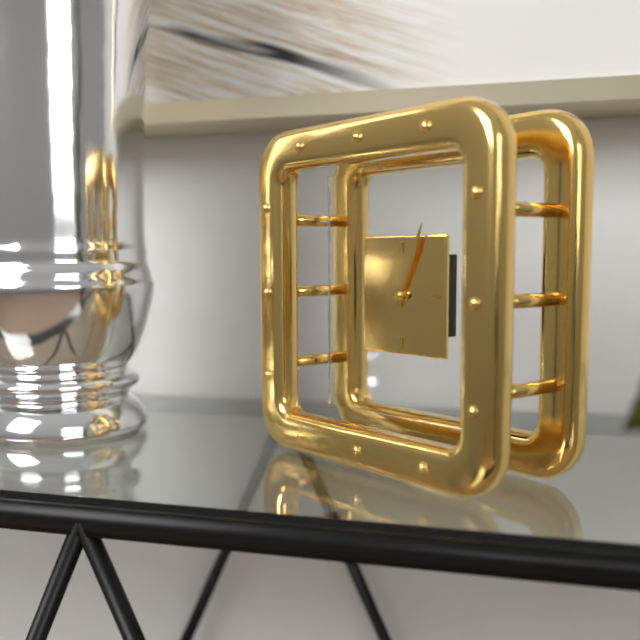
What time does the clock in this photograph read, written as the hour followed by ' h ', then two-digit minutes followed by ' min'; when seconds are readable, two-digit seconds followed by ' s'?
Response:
9 h 04 min
